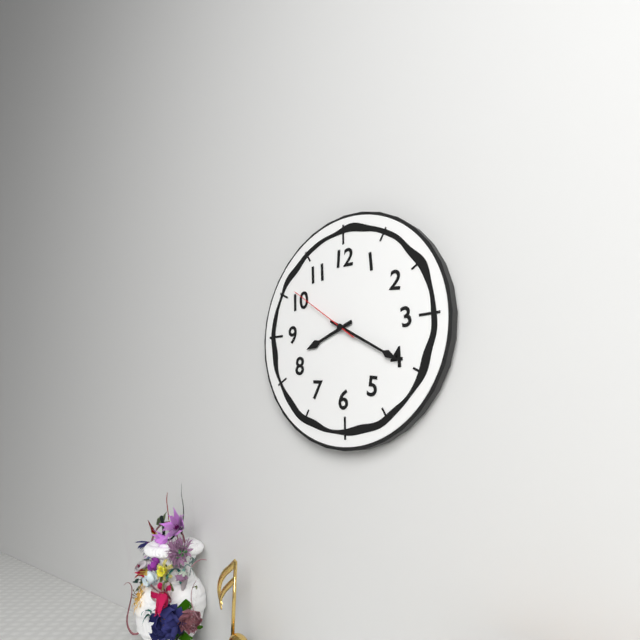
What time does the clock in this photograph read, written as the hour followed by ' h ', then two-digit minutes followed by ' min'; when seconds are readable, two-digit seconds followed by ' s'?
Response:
8 h 20 min 51 s
